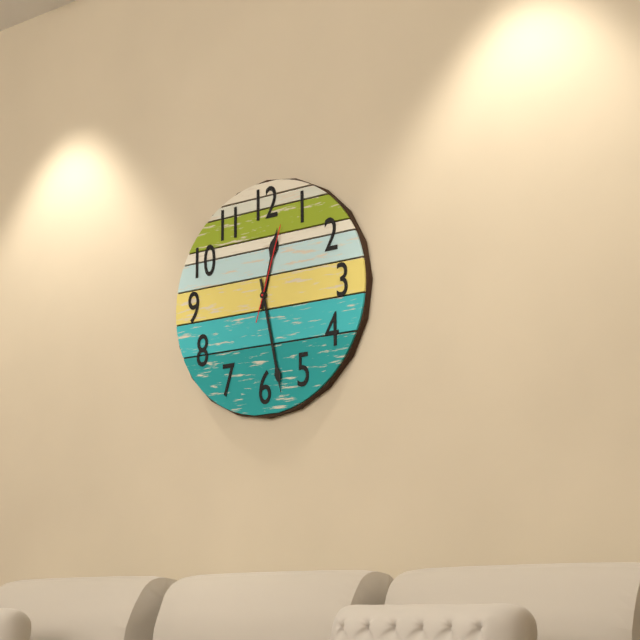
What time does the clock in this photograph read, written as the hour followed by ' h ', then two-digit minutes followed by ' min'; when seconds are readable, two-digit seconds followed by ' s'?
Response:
12 h 28 min 03 s
